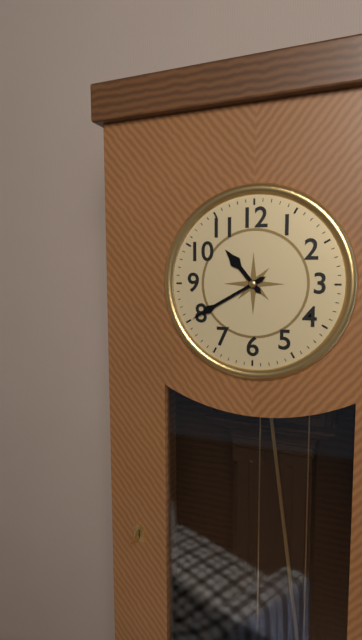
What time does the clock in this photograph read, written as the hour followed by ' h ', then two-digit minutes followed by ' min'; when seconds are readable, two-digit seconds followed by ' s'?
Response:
10 h 40 min
